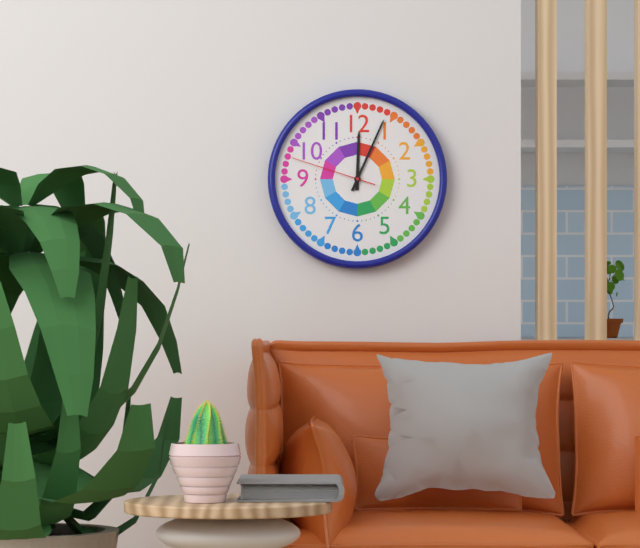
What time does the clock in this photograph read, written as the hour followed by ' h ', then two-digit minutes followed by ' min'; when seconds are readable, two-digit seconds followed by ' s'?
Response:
12 h 04 min 48 s
